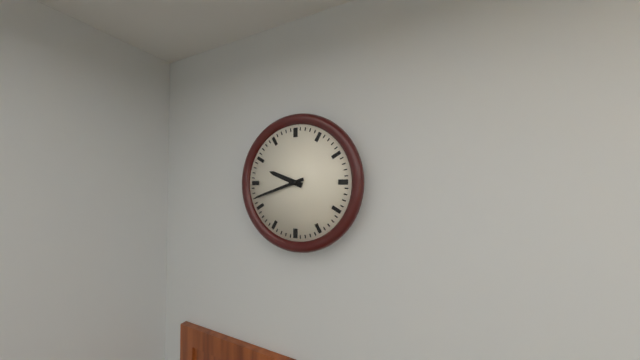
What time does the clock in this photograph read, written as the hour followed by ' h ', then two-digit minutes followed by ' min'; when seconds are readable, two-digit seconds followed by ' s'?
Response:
9 h 42 min
